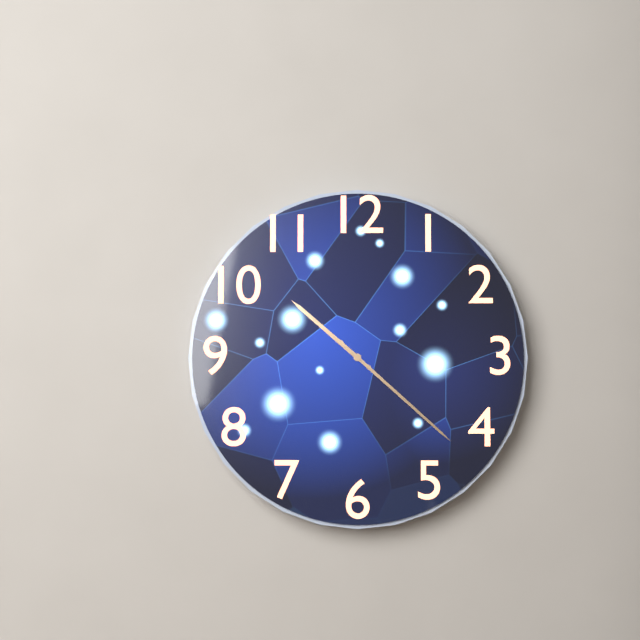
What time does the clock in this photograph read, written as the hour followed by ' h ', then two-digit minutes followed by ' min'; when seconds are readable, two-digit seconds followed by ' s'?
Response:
10 h 22 min
